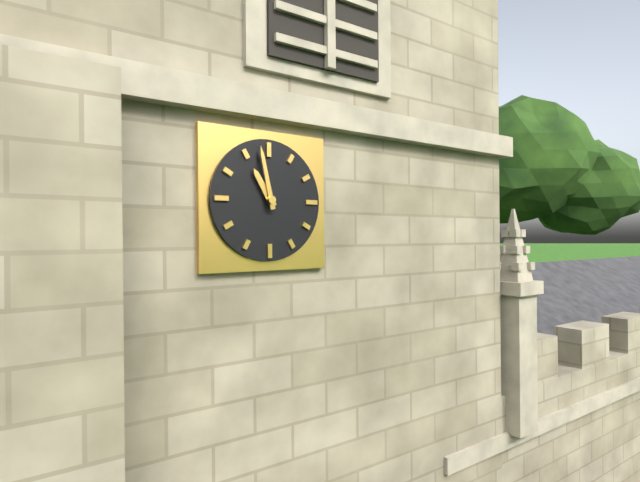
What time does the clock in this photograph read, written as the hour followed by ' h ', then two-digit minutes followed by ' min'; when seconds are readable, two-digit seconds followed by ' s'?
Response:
10 h 58 min
